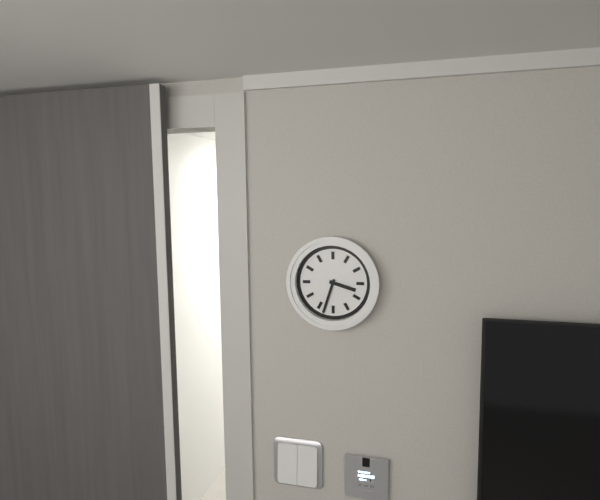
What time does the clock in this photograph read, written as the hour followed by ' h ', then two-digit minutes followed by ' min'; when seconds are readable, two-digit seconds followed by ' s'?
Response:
3 h 33 min
